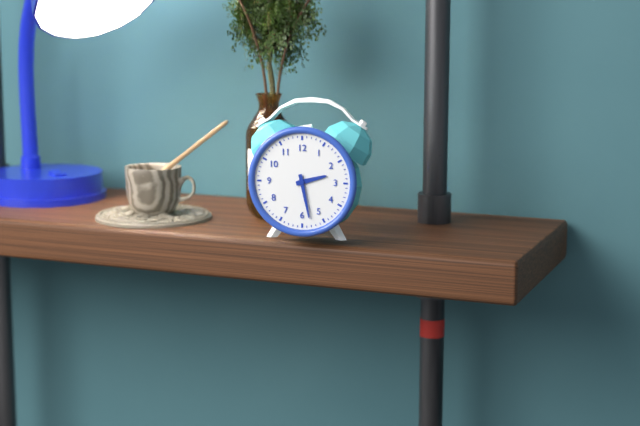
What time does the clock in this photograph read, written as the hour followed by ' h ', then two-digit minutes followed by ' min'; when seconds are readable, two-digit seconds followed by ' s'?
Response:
2 h 28 min
